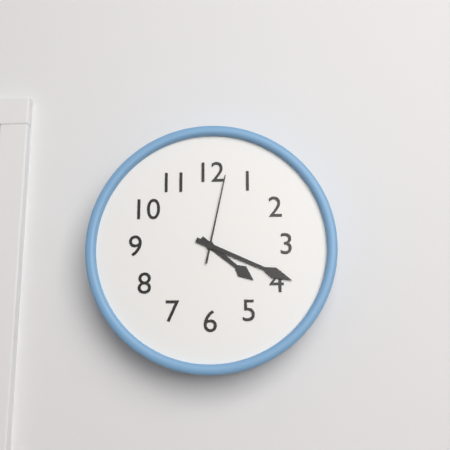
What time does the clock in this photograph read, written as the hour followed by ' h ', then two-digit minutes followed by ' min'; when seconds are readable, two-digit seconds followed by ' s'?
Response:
4 h 19 min 02 s
